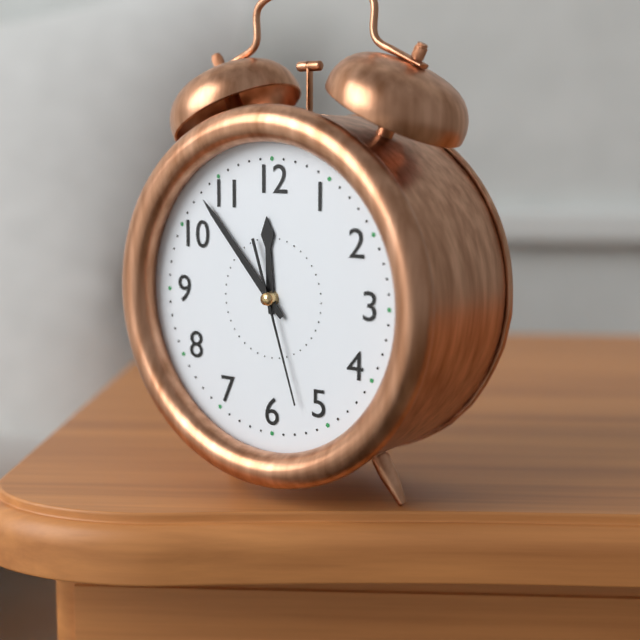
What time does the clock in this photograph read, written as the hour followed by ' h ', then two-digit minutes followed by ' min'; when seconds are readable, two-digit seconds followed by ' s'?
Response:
11 h 53 min 27 s
